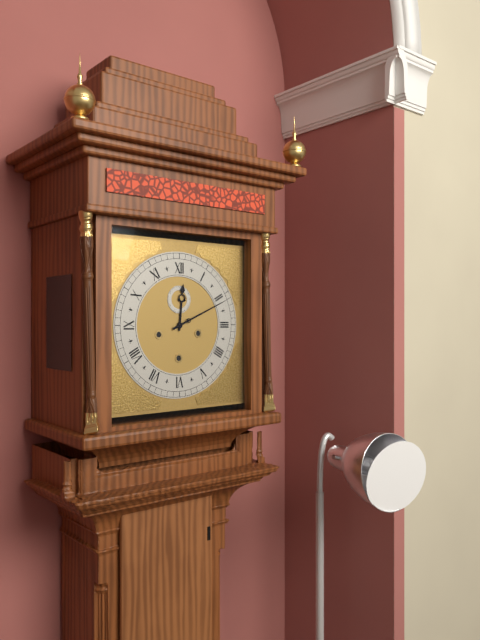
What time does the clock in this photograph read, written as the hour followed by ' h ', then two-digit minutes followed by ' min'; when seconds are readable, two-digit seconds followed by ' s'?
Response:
12 h 11 min
